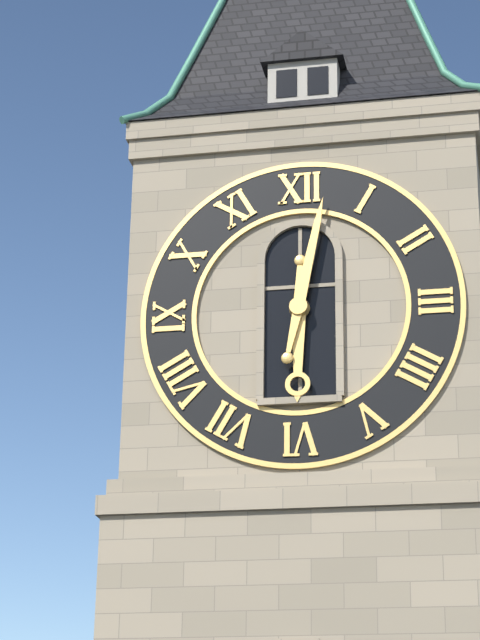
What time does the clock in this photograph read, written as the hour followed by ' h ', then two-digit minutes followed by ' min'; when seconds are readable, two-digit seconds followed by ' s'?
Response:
6 h 02 min
